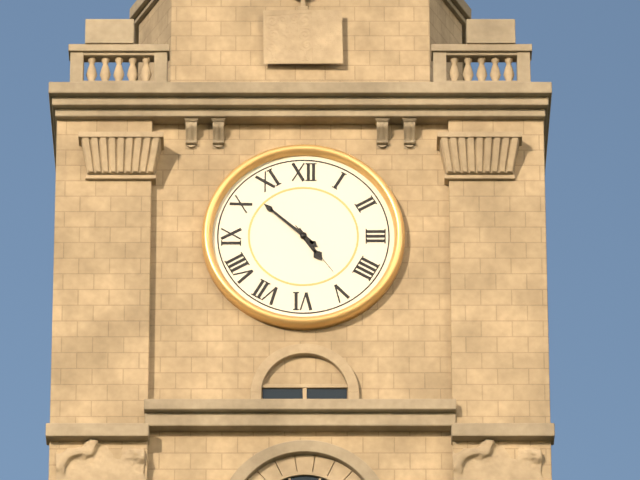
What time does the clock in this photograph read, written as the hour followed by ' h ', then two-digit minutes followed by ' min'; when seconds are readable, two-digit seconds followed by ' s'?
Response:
4 h 52 min 24 s
